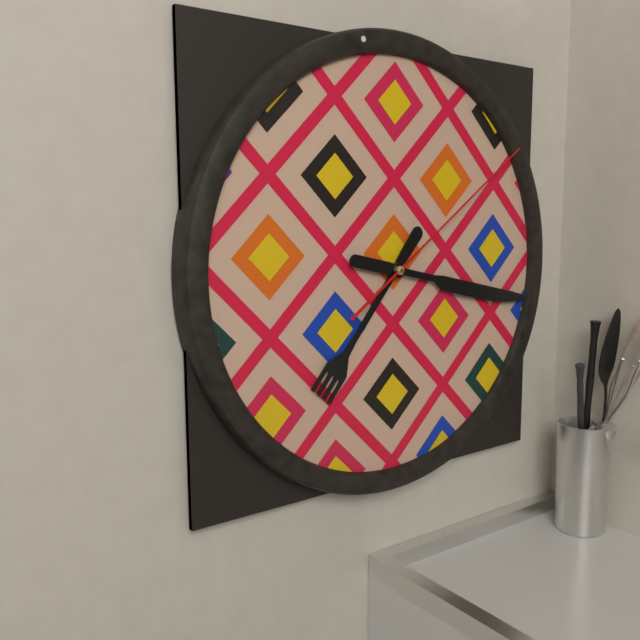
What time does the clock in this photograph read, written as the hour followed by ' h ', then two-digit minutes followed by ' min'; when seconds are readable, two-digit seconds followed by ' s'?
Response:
7 h 17 min 09 s
